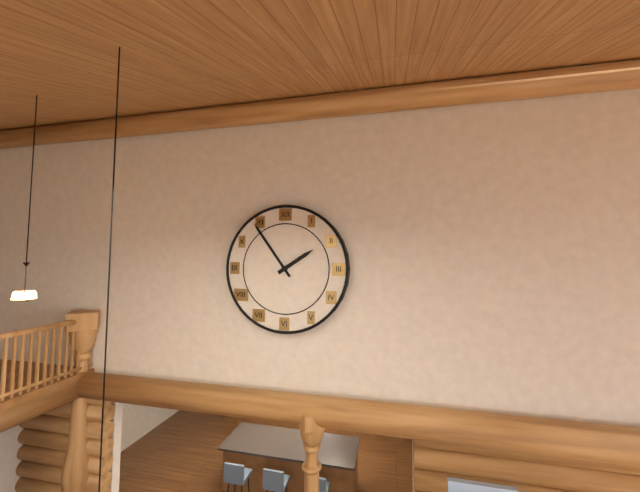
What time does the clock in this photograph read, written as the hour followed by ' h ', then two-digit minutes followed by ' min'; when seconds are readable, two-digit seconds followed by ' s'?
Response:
1 h 54 min
